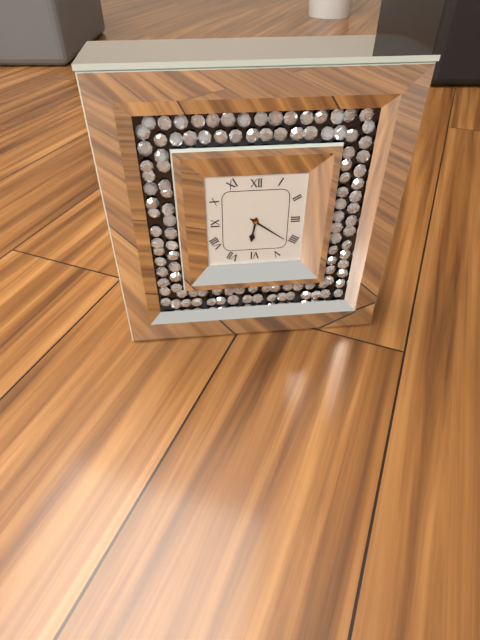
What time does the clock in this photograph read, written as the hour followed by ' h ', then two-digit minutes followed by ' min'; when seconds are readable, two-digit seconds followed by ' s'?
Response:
6 h 21 min
